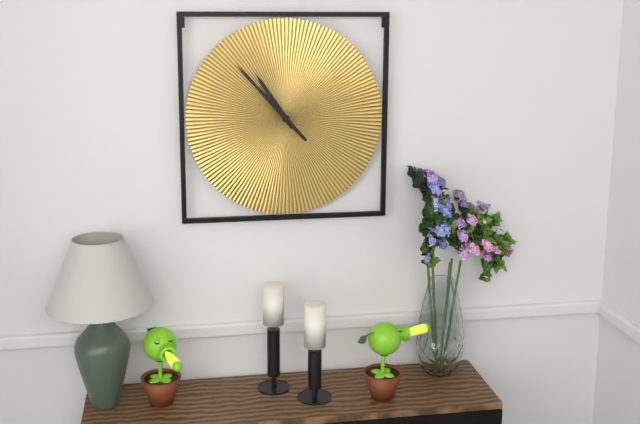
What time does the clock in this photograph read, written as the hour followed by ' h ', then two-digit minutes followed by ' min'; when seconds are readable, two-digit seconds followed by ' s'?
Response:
10 h 53 min
